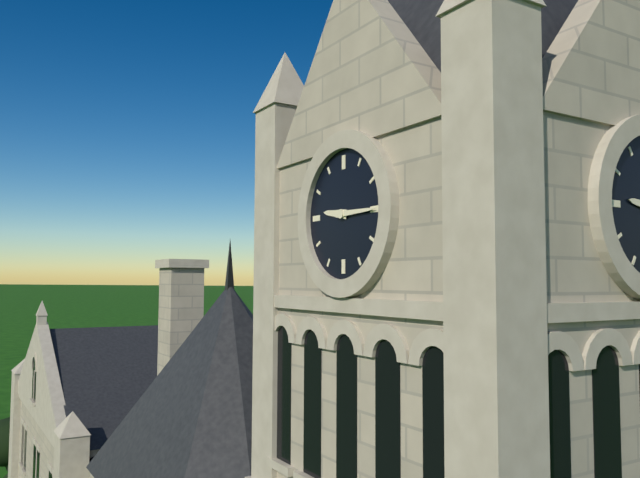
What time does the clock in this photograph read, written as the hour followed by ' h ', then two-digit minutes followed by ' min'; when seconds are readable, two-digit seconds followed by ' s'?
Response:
9 h 15 min
